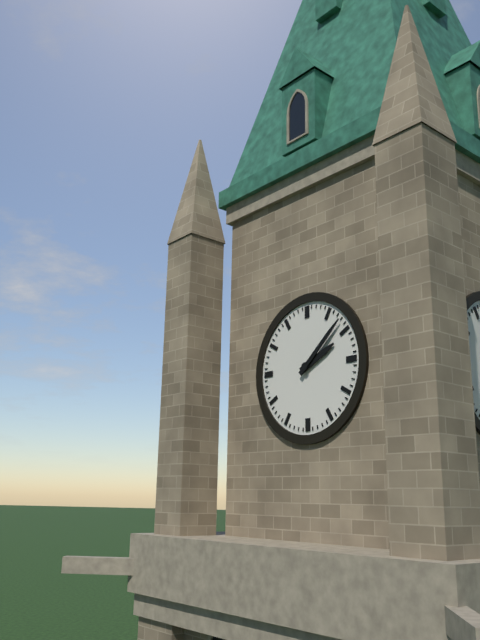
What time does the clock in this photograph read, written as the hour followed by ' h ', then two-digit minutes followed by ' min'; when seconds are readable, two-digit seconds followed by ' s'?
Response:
2 h 08 min
